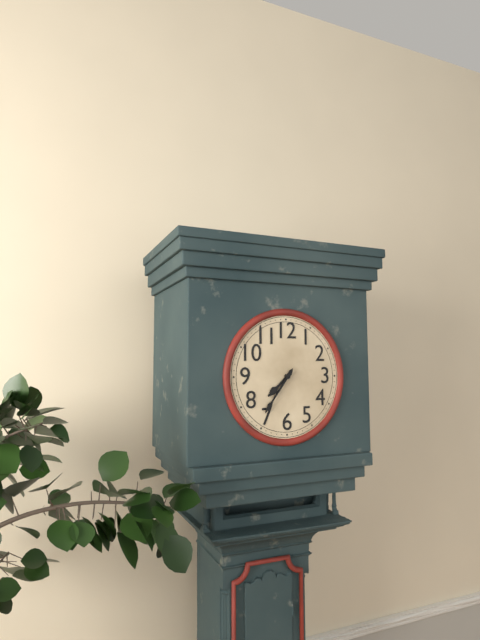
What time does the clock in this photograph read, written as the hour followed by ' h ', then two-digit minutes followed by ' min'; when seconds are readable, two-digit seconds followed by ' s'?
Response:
7 h 36 min
